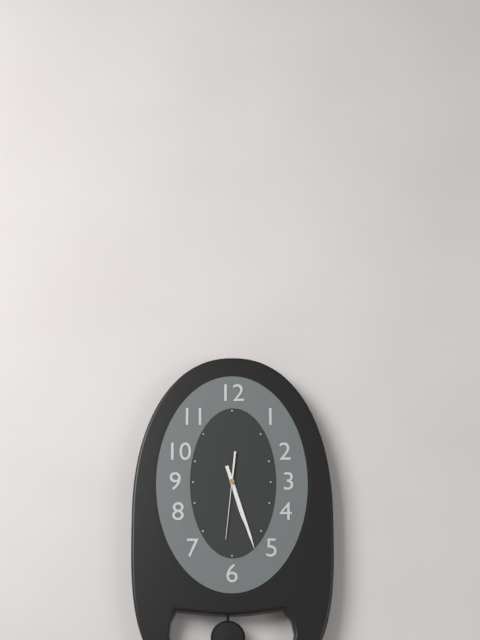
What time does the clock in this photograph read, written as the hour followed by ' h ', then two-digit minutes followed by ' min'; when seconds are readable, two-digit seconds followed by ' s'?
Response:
5 h 27 min 31 s
